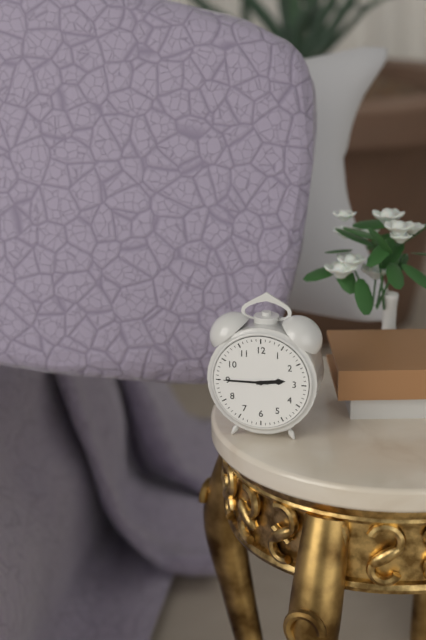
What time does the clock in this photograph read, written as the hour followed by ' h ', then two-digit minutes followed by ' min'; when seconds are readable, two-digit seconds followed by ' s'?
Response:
2 h 45 min
